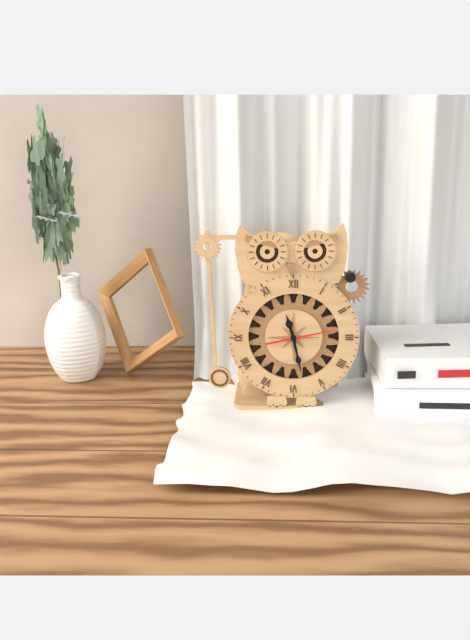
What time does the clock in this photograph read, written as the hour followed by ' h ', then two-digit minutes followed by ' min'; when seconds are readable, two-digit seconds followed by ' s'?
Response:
11 h 28 min 13 s
